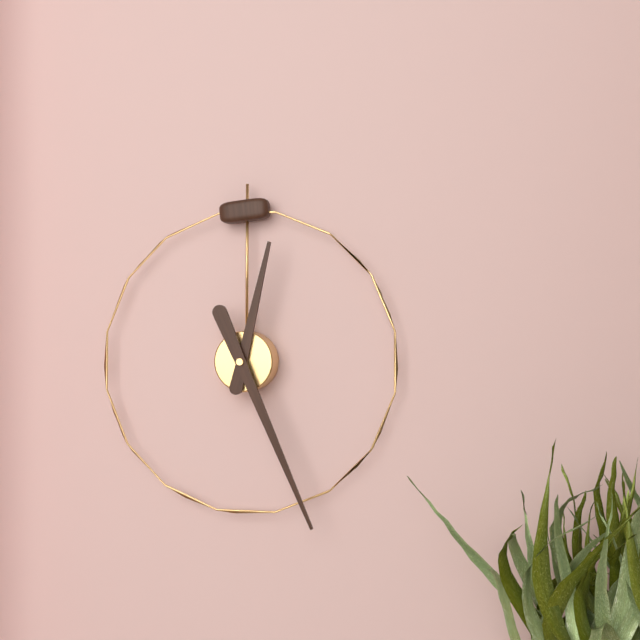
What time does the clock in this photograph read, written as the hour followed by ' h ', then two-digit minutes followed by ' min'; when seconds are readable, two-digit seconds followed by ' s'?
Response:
12 h 26 min
